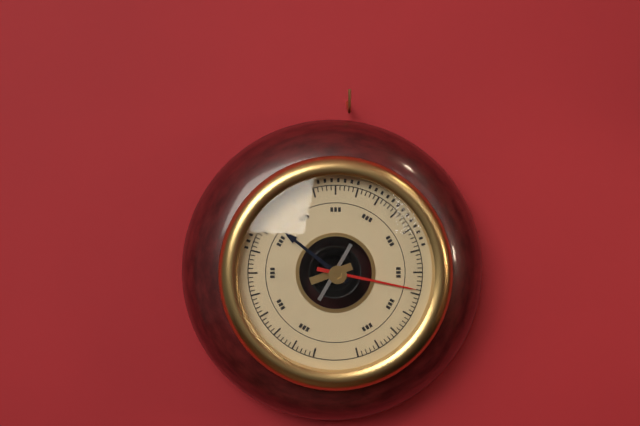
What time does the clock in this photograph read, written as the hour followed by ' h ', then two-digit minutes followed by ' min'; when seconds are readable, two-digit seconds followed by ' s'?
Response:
10 h 17 min
